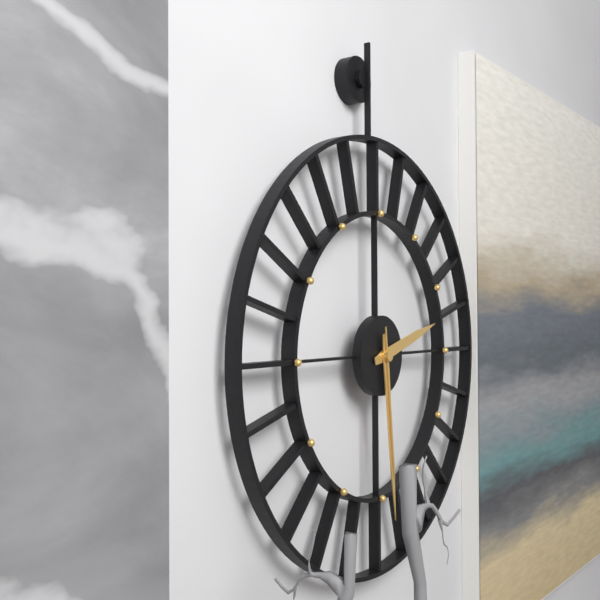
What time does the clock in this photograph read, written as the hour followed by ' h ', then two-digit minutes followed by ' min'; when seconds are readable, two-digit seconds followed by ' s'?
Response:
2 h 29 min 29 s
